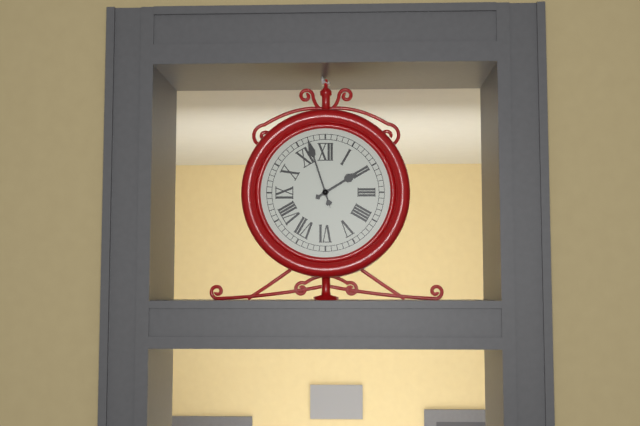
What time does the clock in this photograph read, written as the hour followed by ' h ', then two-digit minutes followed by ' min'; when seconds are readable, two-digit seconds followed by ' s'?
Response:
1 h 57 min
